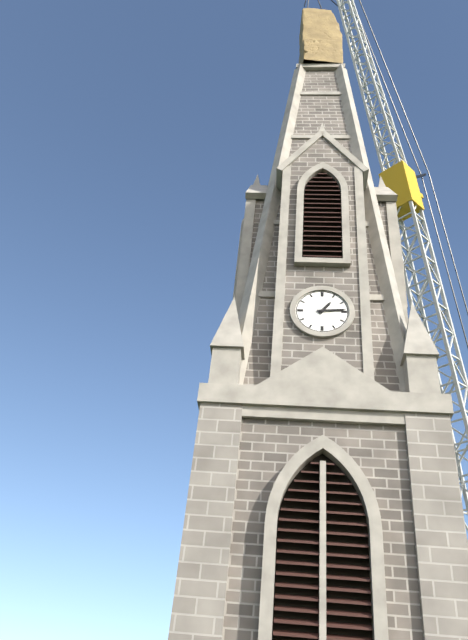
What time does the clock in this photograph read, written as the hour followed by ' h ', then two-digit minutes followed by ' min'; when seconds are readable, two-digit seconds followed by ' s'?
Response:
1 h 14 min
